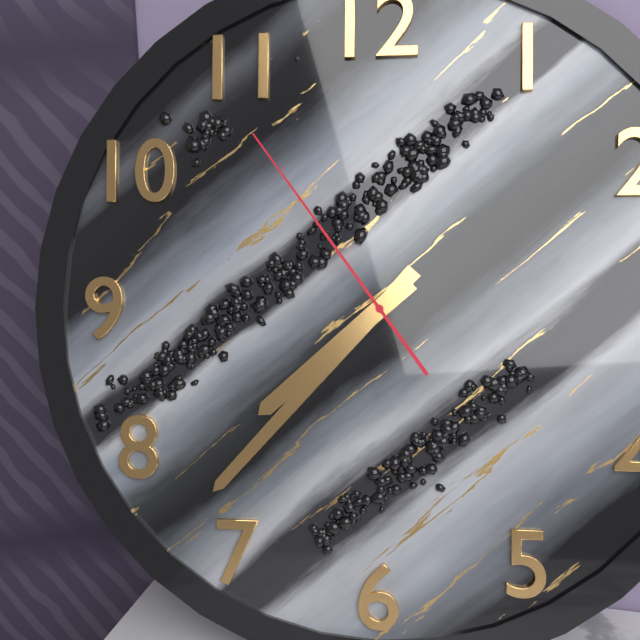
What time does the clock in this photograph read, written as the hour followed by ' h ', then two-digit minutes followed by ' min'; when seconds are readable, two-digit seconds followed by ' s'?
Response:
7 h 37 min 54 s
